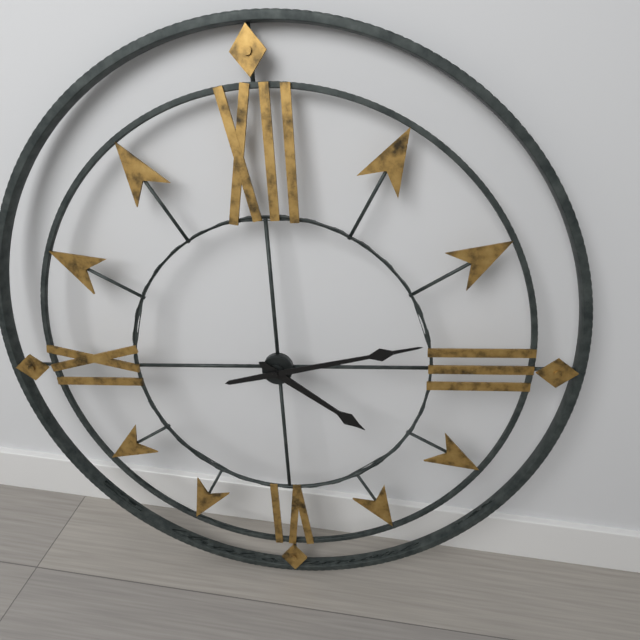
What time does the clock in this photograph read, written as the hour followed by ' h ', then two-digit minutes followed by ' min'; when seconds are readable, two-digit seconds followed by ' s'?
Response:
4 h 13 min
